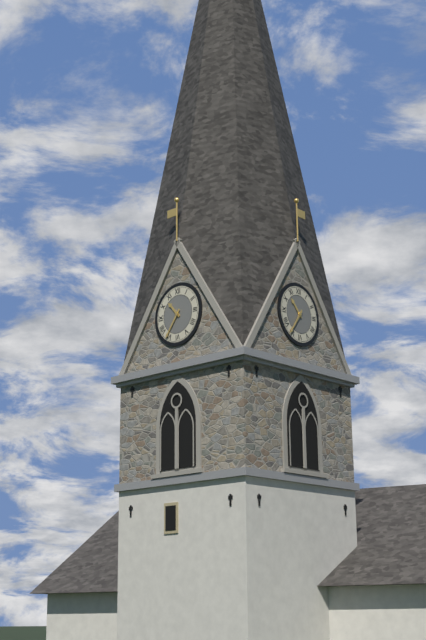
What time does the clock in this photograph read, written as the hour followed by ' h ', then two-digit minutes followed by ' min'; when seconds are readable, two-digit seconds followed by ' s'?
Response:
10 h 36 min
